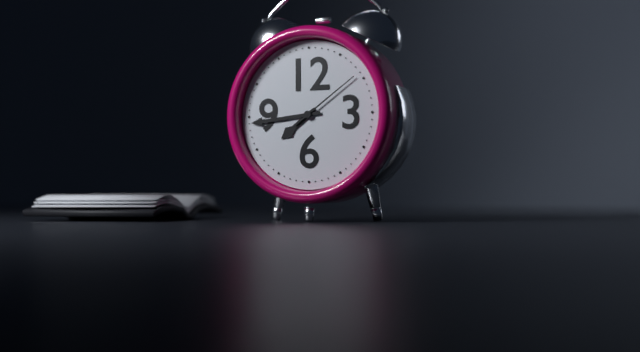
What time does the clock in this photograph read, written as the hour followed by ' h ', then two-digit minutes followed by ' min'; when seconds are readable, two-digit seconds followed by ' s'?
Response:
7 h 44 min 09 s
